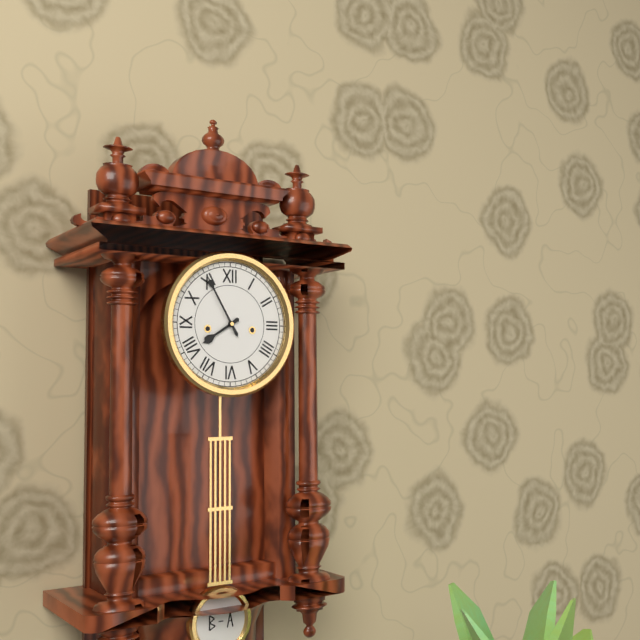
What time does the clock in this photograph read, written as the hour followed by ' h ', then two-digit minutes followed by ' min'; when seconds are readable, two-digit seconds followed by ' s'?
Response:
7 h 55 min
